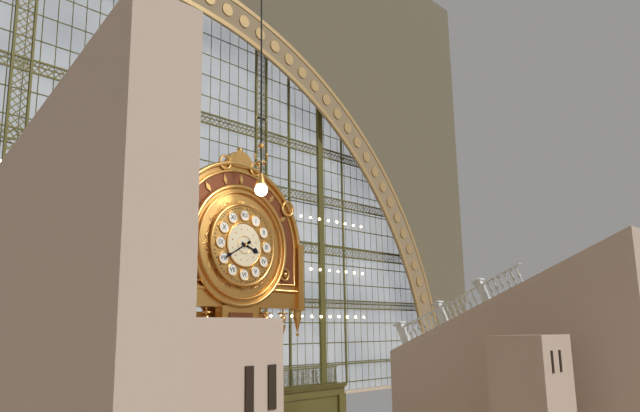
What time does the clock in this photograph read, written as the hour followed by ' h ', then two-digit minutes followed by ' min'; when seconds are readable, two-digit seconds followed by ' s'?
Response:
3 h 40 min
